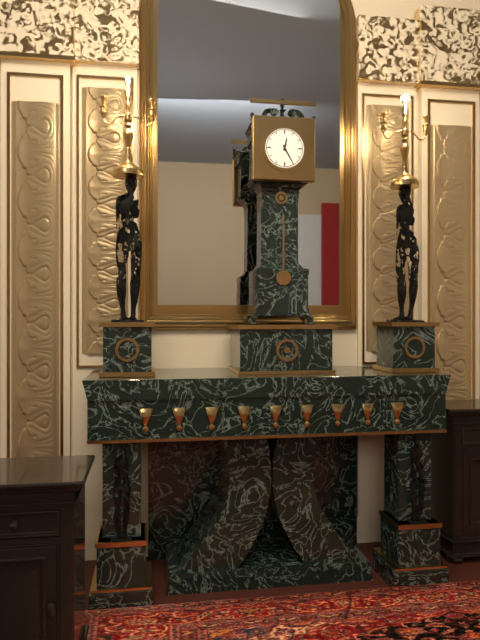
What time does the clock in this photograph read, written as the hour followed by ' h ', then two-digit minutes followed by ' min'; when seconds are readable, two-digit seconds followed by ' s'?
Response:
12 h 25 min
